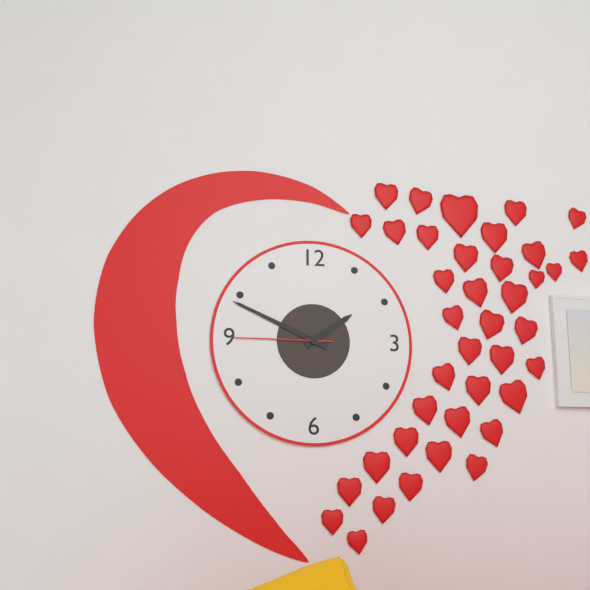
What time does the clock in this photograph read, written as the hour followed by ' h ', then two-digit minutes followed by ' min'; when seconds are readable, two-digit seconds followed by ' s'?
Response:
1 h 49 min 45 s
